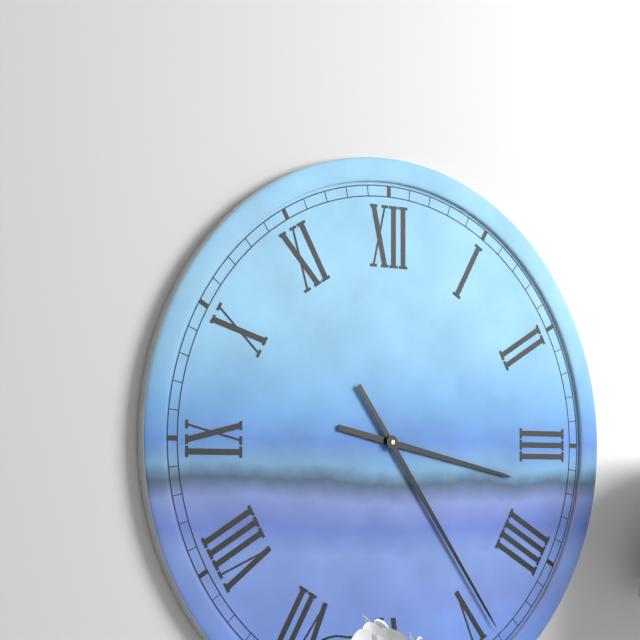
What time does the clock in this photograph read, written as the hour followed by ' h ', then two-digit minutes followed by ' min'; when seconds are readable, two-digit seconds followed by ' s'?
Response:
3 h 24 min
